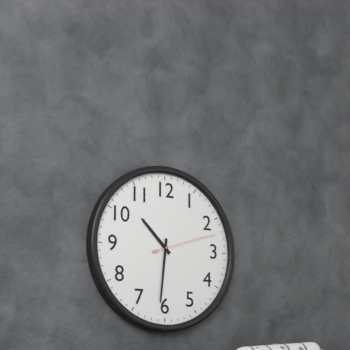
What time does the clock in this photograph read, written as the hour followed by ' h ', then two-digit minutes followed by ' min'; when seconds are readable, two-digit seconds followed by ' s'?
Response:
10 h 31 min 12 s
